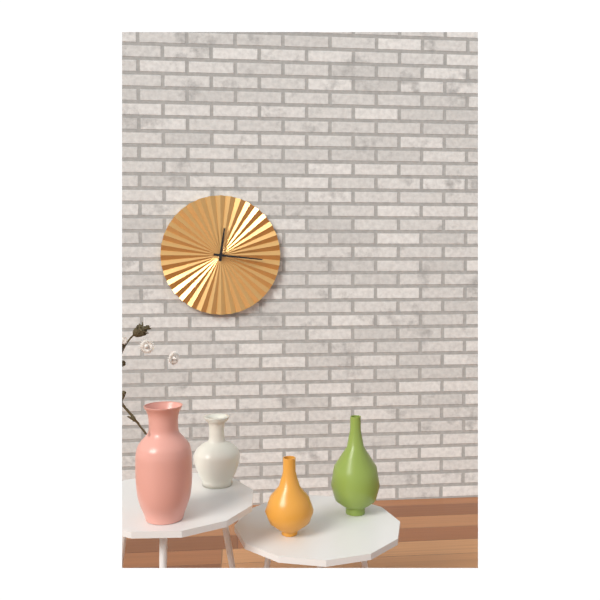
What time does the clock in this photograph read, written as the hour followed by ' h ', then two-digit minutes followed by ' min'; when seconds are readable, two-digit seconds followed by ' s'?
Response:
12 h 16 min
